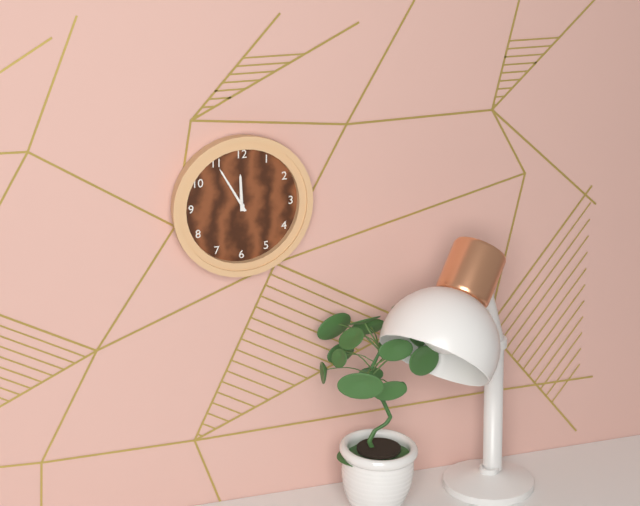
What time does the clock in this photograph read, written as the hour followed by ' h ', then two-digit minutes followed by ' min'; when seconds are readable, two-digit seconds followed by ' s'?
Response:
11 h 55 min
